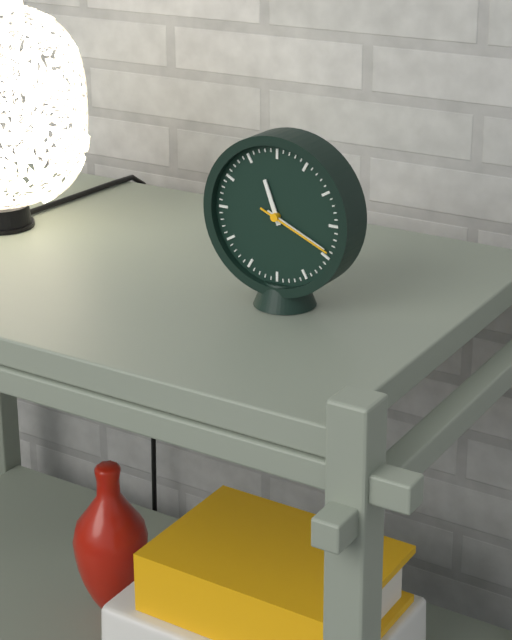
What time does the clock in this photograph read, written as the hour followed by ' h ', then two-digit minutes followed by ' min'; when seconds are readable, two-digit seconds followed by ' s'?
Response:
11 h 19 min 19 s
